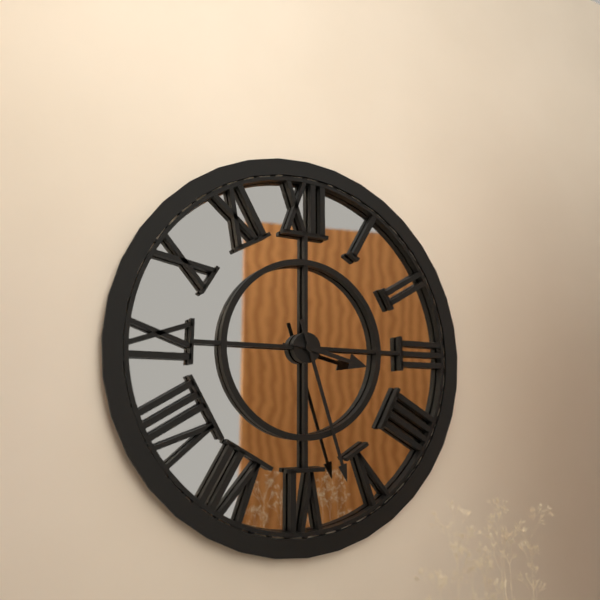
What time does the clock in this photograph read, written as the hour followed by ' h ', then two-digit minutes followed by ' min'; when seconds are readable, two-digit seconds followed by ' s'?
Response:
3 h 27 min
